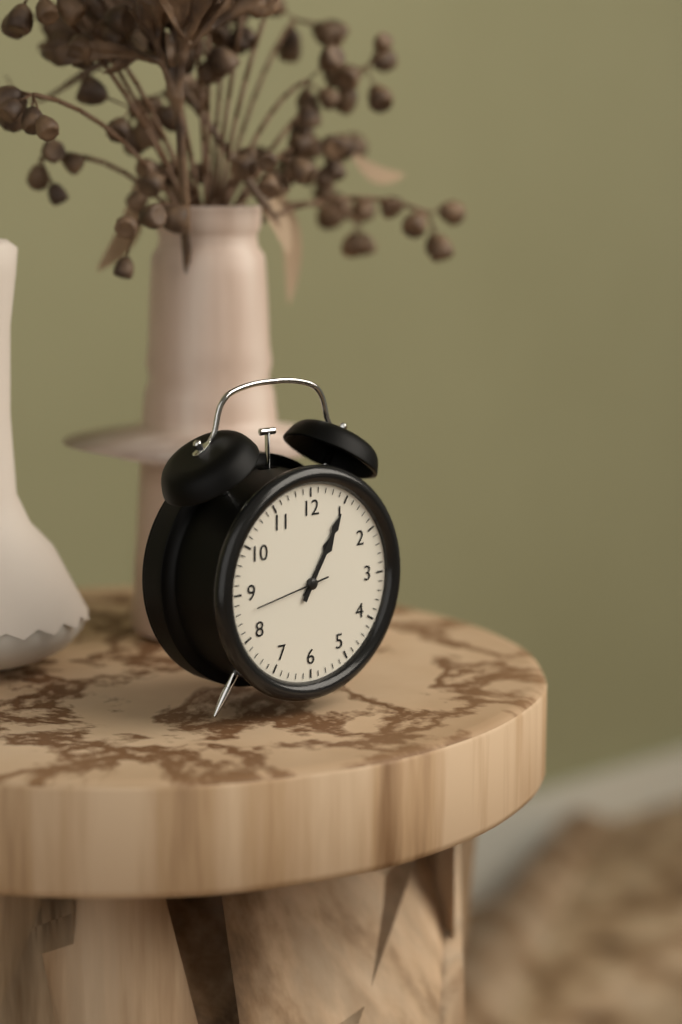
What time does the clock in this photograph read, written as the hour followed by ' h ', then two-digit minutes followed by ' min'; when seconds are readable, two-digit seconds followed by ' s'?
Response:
1 h 05 min 43 s
